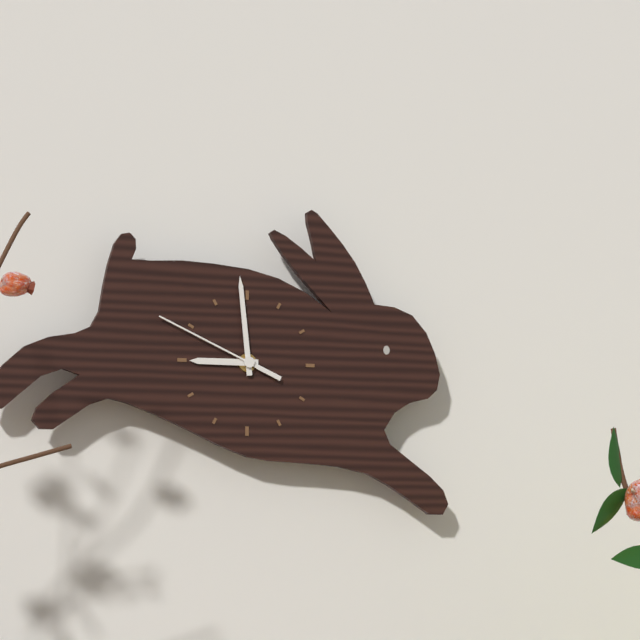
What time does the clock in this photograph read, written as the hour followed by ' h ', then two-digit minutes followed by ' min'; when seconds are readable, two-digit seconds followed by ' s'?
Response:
8 h 59 min 49 s
